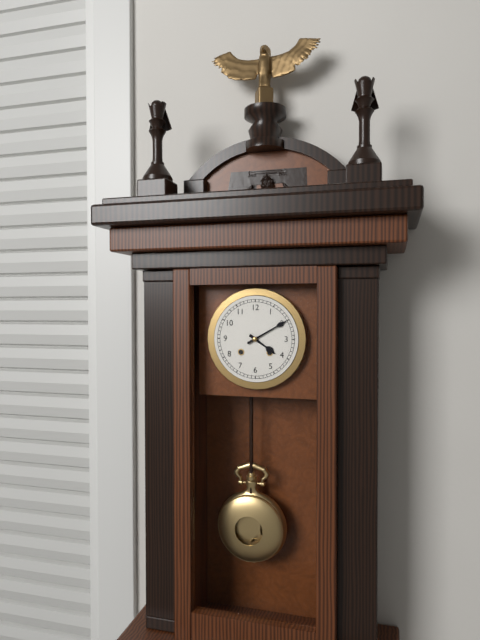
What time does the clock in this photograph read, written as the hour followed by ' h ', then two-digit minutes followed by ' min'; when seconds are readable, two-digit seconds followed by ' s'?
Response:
4 h 10 min
